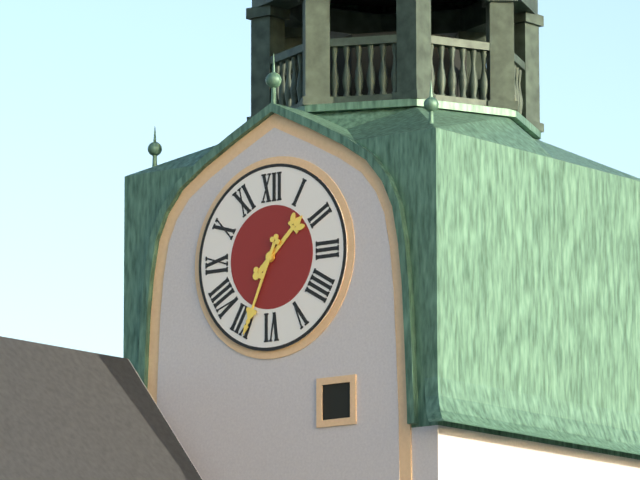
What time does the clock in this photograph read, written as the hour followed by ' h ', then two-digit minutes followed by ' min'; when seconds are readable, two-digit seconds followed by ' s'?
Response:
1 h 34 min
